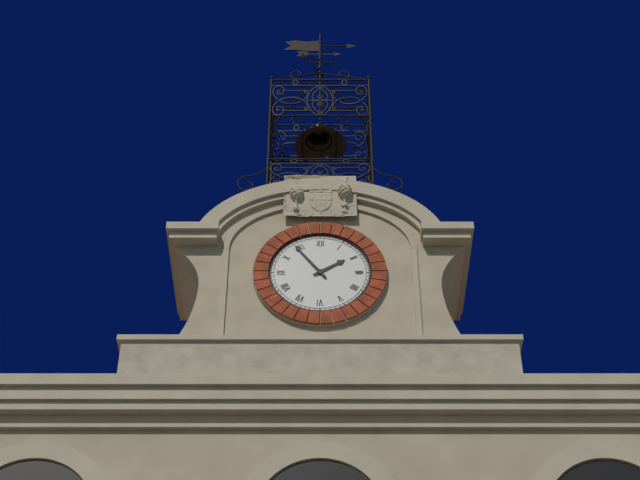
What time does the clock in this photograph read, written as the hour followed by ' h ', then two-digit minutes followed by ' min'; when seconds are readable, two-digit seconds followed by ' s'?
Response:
1 h 54 min
